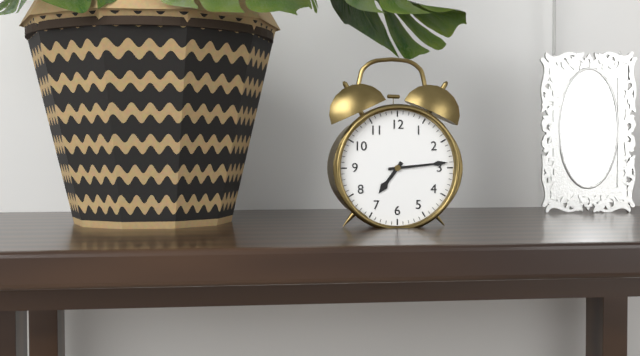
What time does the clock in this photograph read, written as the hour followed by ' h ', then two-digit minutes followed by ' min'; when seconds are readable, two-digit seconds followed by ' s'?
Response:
7 h 14 min
